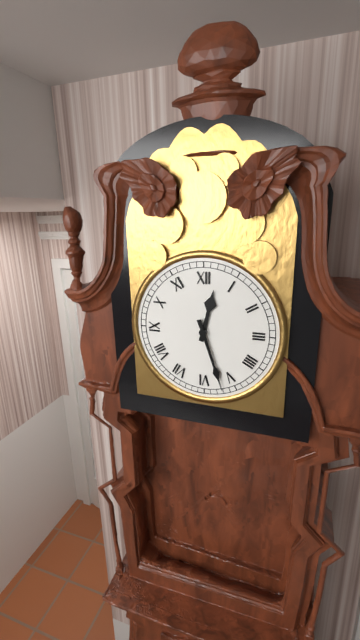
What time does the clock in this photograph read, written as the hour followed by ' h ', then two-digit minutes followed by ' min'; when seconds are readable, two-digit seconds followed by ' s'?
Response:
12 h 27 min
